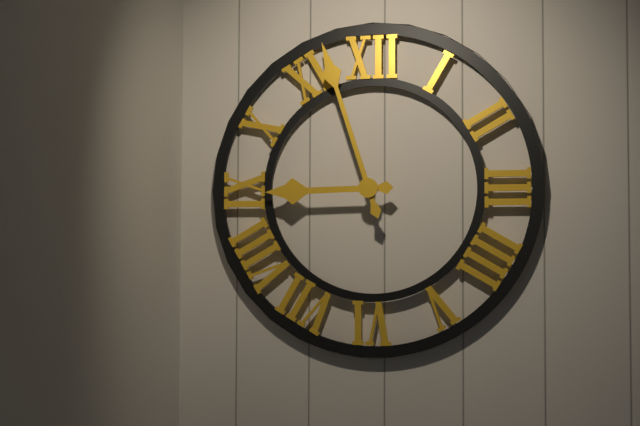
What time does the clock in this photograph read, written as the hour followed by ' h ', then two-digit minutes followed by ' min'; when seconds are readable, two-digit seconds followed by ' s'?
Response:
8 h 57 min
